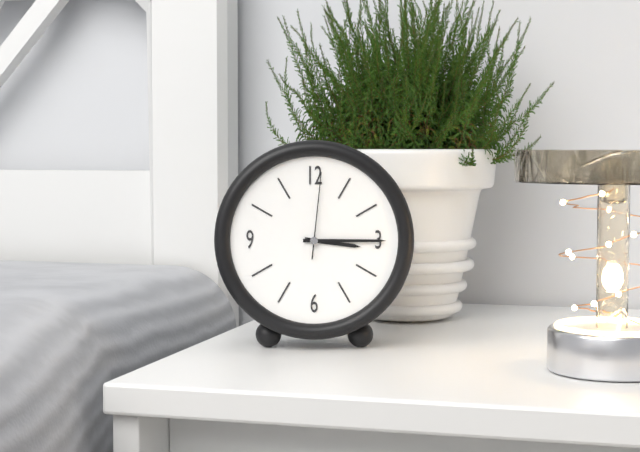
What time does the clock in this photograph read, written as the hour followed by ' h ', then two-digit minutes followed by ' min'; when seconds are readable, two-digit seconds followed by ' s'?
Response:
3 h 15 min 01 s
